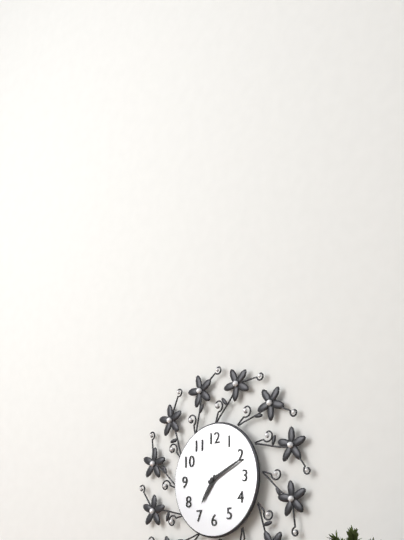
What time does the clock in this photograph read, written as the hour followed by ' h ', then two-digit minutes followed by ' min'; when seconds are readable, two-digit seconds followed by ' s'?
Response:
7 h 11 min
